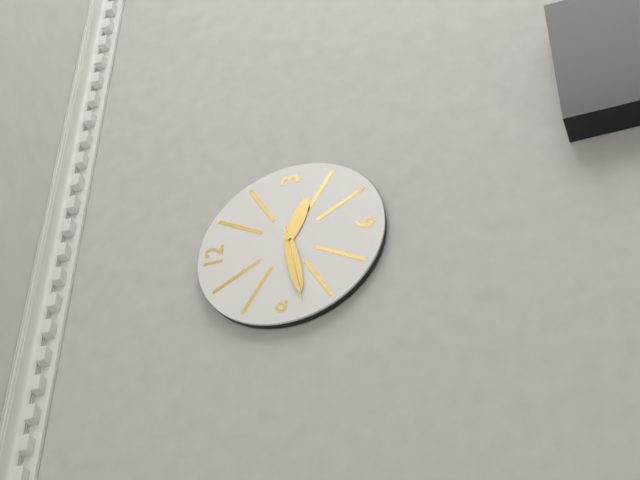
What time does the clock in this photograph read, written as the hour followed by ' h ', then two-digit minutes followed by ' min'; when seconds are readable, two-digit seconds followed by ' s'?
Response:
3 h 43 min 43 s
